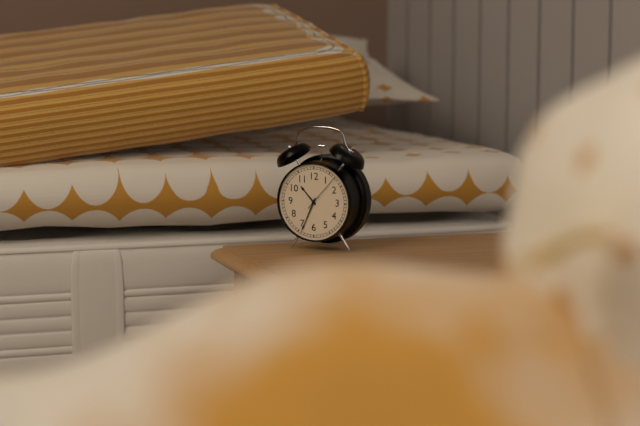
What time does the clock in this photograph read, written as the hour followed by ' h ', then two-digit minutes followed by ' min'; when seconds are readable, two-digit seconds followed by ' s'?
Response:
10 h 34 min
